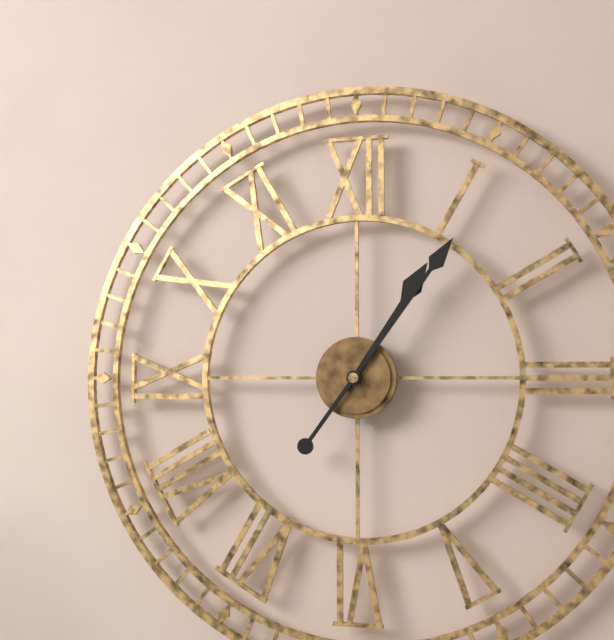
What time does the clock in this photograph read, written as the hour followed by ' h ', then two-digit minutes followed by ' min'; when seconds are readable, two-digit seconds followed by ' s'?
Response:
1 h 06 min
